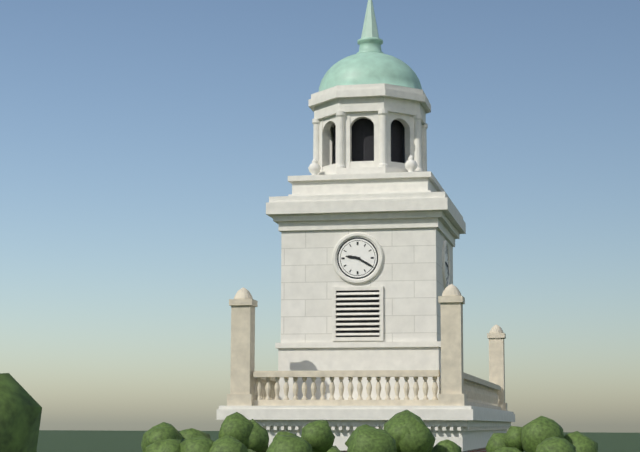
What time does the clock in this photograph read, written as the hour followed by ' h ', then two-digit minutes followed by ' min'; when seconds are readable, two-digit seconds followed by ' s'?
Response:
9 h 20 min
